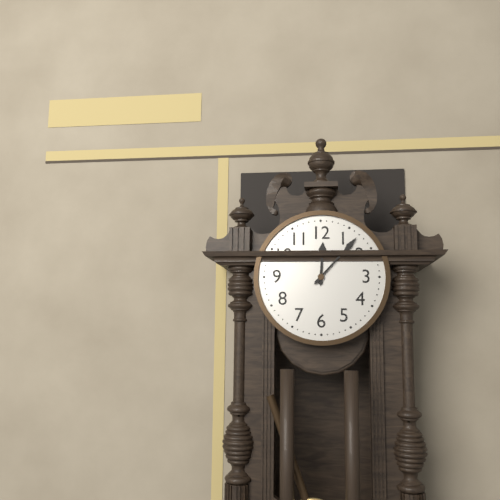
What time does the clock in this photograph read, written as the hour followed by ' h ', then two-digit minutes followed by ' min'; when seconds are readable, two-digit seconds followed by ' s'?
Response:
12 h 07 min
